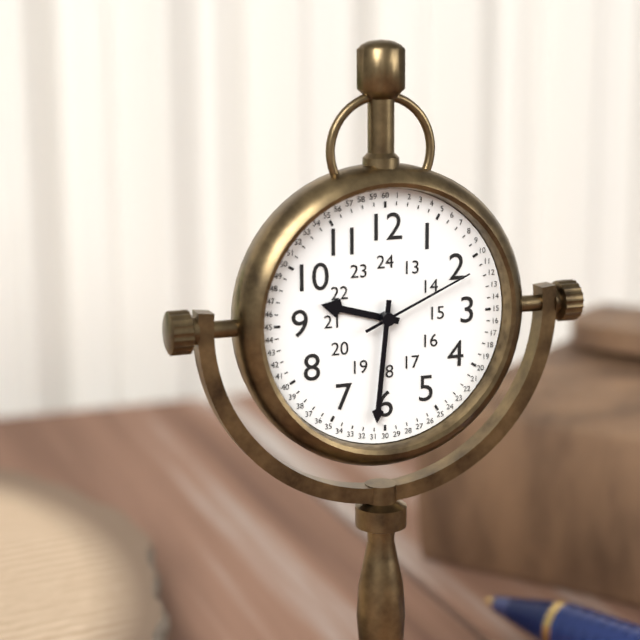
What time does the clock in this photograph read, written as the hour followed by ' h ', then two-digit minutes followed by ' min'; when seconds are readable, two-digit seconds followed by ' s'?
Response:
9 h 31 min 11 s
